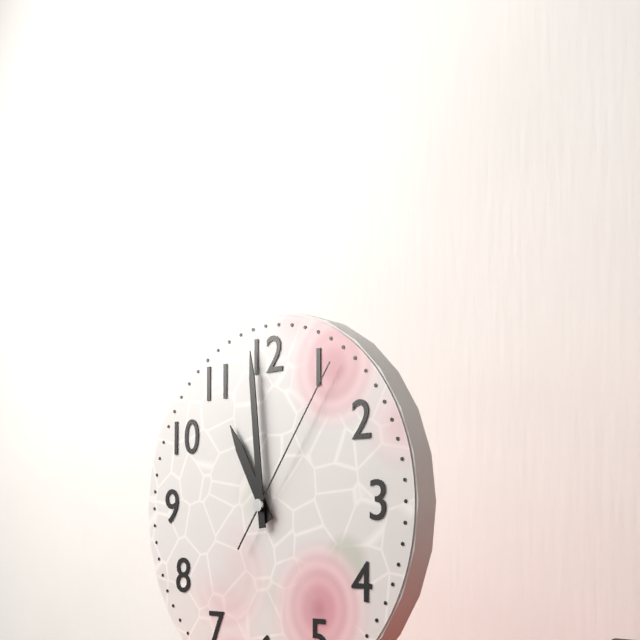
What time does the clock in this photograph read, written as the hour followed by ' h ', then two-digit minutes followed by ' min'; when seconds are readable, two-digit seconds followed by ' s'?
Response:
10 h 59 min 06 s
